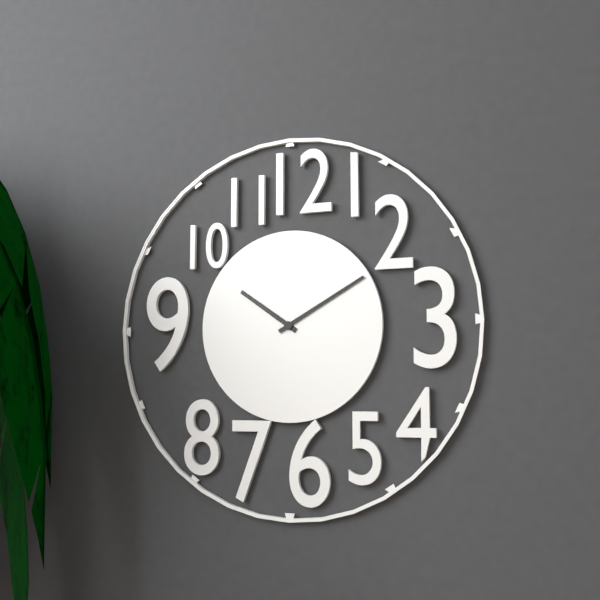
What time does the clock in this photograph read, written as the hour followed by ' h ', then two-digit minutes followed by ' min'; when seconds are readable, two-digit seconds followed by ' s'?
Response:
10 h 10 min
